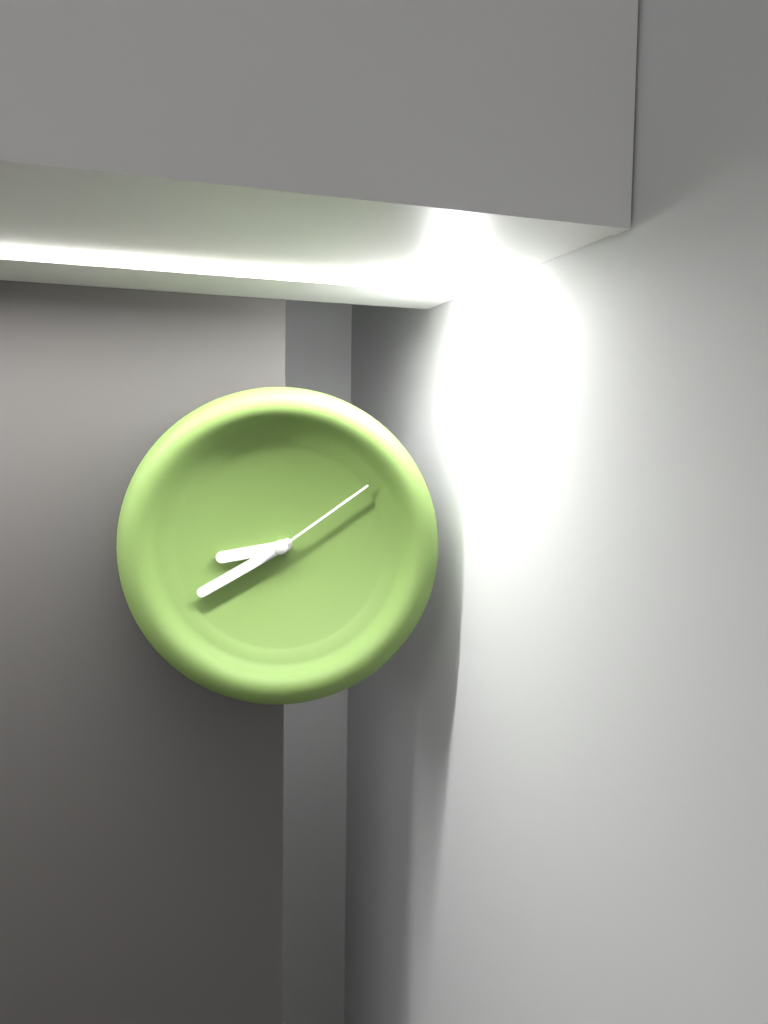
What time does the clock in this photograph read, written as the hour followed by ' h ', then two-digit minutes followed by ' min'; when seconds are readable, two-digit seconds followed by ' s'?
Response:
8 h 40 min 09 s
